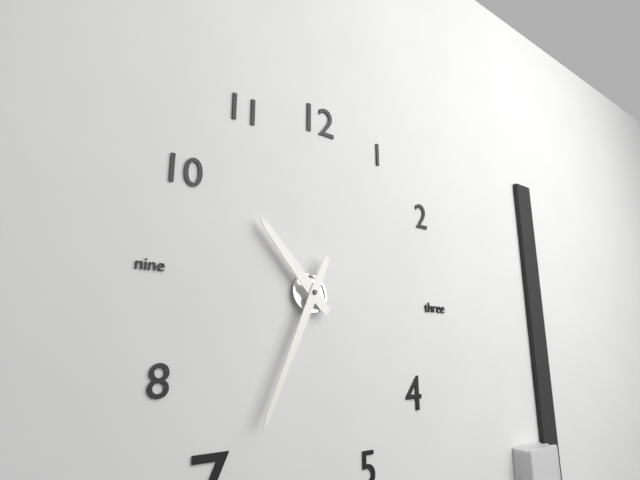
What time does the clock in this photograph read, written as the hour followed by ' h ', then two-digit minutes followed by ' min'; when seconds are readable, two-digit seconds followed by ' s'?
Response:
10 h 34 min
